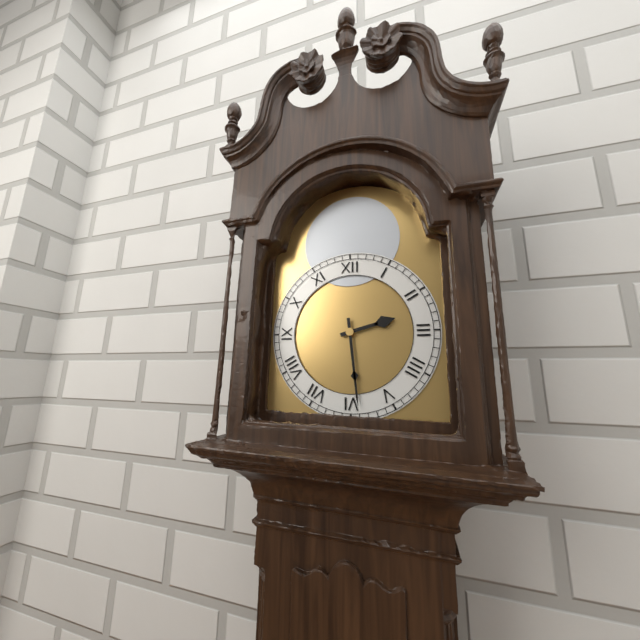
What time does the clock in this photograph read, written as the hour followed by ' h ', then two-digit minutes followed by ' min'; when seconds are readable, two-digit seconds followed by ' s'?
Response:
2 h 29 min
